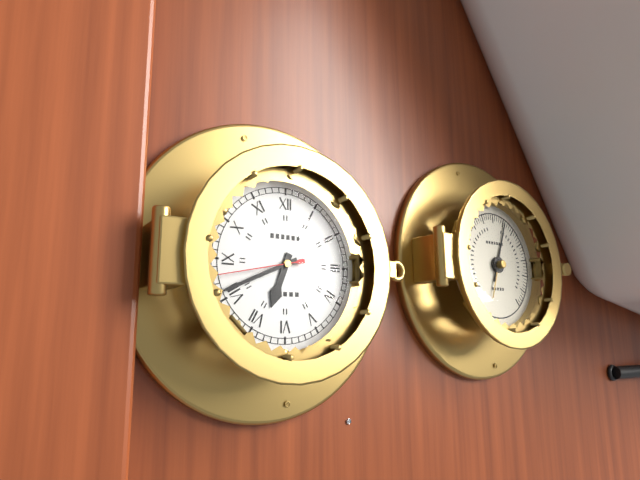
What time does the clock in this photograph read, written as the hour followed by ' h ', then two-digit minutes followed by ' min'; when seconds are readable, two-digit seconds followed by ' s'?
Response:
6 h 41 min 43 s
